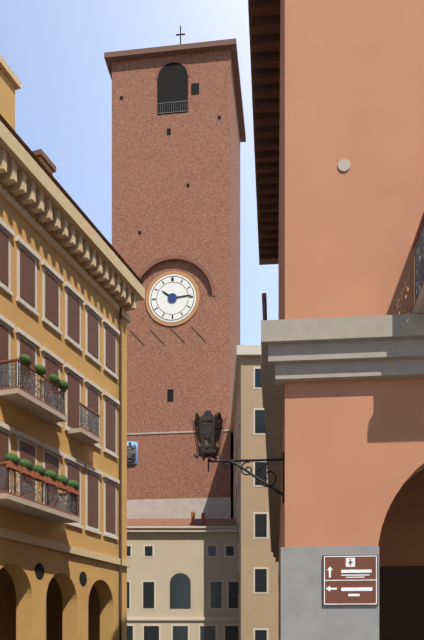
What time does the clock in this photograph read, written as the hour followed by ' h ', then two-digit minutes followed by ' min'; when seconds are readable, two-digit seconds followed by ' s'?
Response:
10 h 14 min
